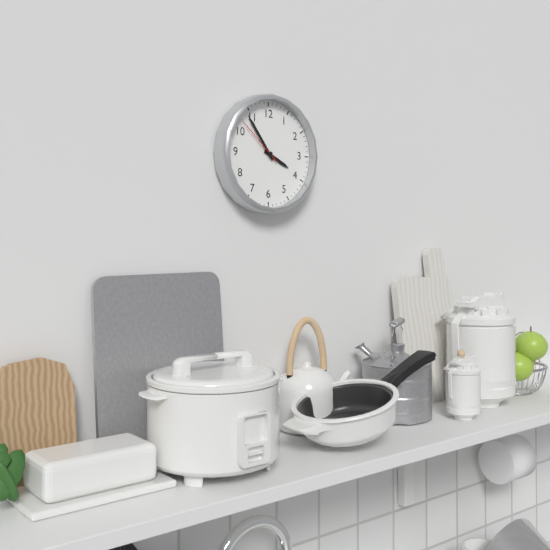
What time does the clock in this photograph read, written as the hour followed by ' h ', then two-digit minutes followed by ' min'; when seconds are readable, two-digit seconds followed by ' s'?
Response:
3 h 54 min 52 s
